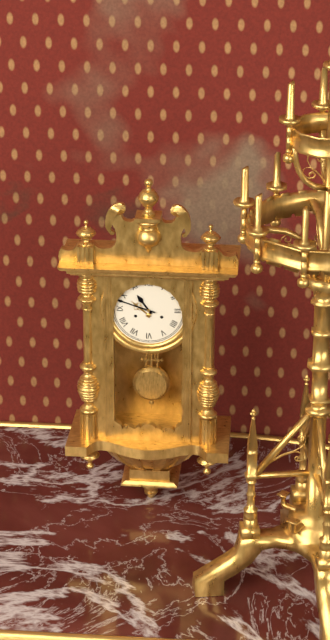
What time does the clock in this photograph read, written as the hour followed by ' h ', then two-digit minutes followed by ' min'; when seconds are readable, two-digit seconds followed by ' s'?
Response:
10 h 48 min
